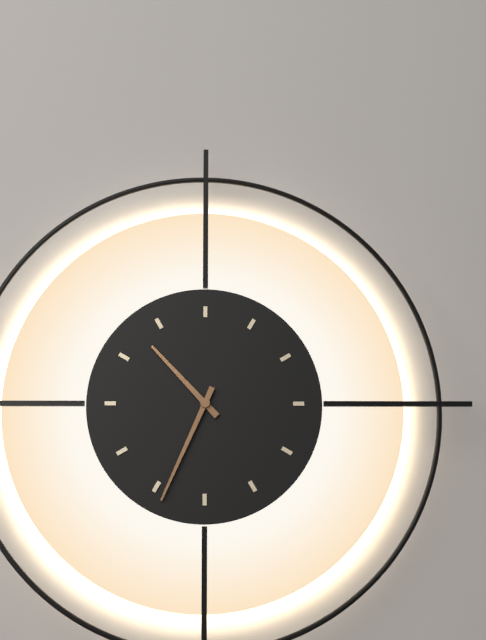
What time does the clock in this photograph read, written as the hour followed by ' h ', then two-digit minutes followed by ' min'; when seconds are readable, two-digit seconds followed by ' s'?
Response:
10 h 34 min
